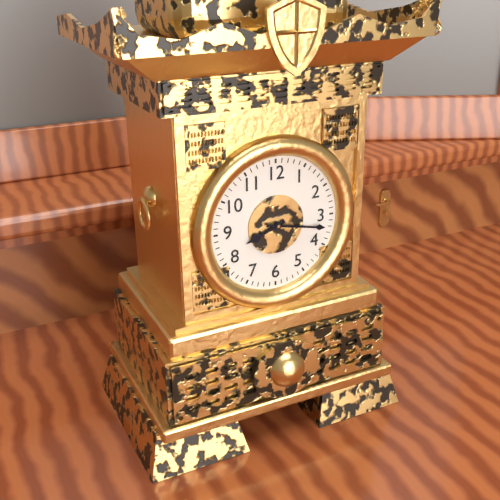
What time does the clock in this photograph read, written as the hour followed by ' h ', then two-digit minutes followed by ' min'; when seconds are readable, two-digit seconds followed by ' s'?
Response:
8 h 17 min
